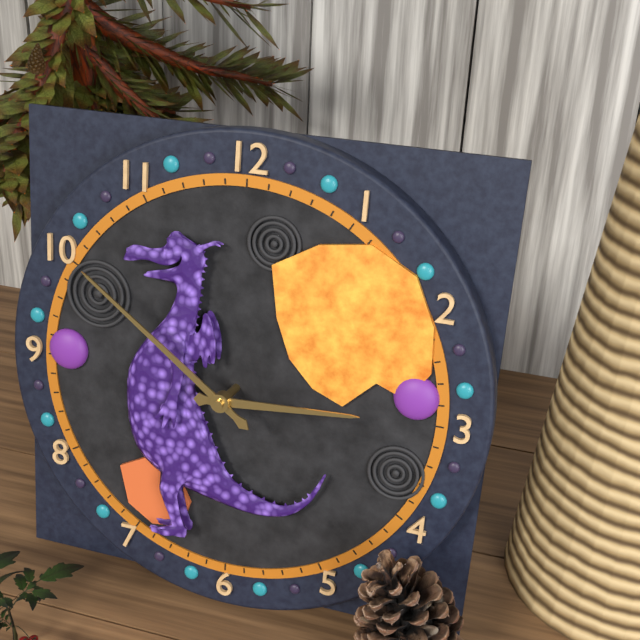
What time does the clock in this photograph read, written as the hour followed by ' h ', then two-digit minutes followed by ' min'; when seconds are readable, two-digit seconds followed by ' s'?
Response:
2 h 51 min
